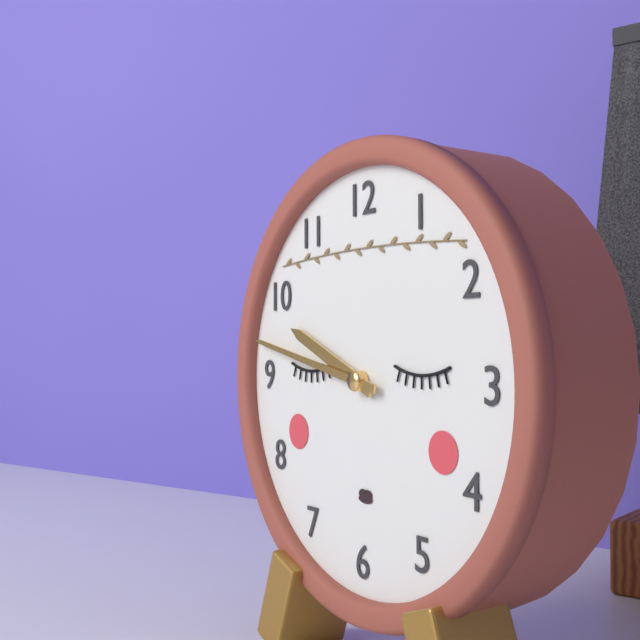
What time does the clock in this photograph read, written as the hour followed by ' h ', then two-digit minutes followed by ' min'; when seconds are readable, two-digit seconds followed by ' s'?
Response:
9 h 47 min
